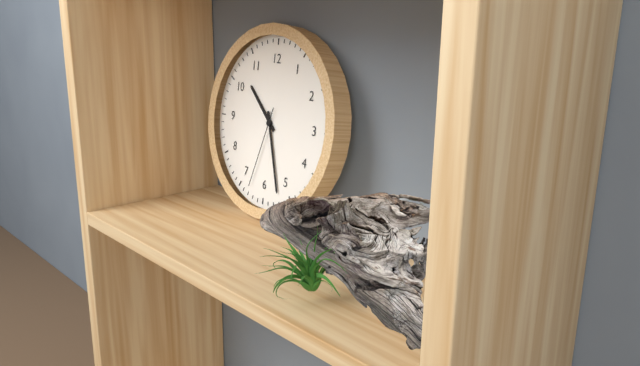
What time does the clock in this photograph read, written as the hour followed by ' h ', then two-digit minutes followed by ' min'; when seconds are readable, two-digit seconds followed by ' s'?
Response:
10 h 27 min 33 s
